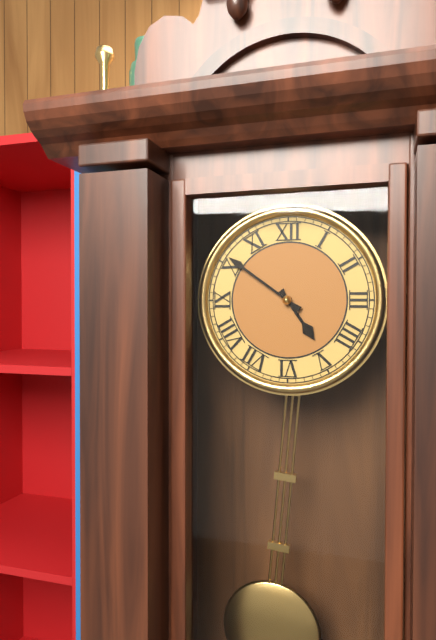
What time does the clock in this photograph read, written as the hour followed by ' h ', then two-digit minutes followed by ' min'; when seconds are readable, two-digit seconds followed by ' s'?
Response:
4 h 51 min
